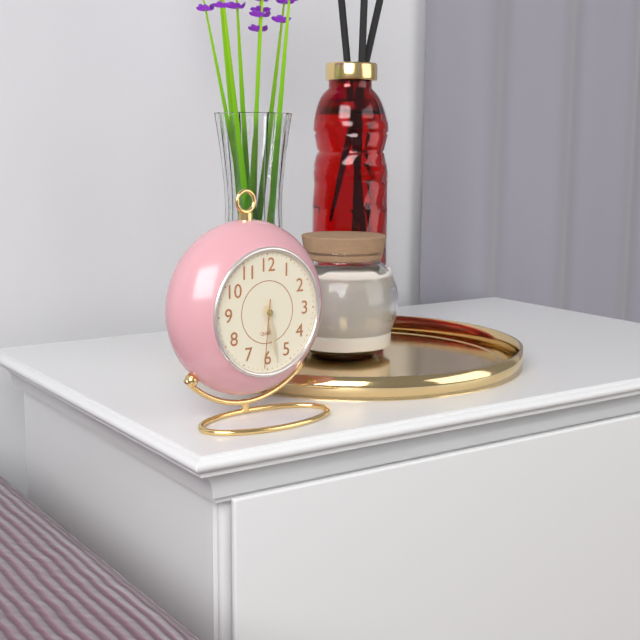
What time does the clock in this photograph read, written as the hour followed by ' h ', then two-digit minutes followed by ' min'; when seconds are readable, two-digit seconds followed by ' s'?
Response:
5 h 28 min 31 s
